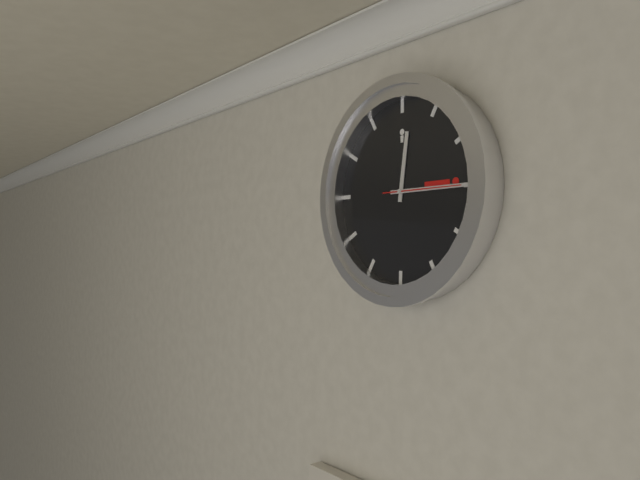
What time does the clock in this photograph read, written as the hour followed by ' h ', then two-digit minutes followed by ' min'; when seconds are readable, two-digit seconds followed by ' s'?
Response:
12 h 15 min 15 s
